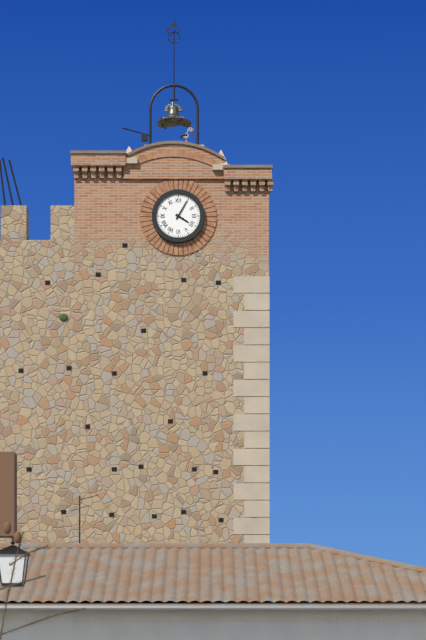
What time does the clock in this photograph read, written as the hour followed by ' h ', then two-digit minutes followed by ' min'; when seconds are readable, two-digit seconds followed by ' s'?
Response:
4 h 05 min
